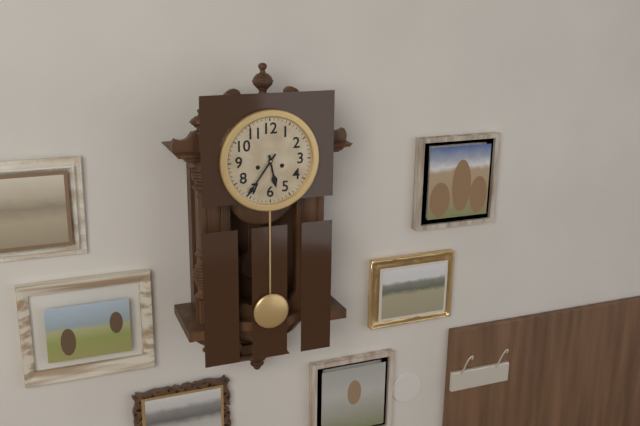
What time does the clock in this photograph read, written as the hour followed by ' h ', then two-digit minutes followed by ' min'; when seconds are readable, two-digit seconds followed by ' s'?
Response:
5 h 36 min
